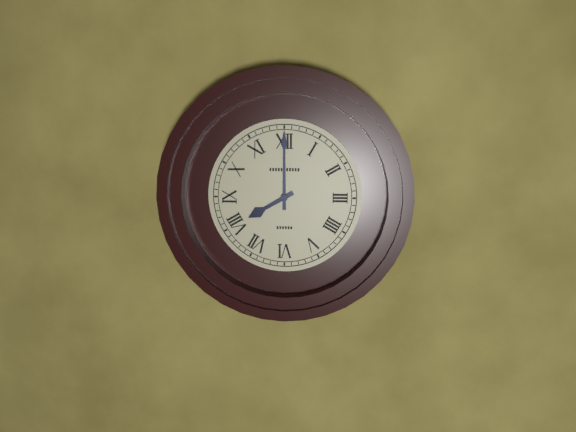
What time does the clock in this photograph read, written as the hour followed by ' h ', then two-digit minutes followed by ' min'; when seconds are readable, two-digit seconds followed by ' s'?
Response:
8 h 00 min
